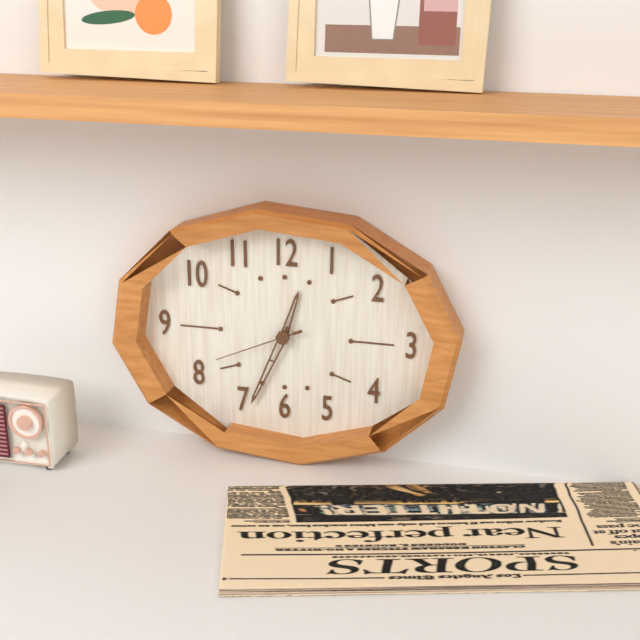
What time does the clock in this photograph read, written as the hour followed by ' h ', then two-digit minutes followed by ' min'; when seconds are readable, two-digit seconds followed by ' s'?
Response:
12 h 34 min 41 s
